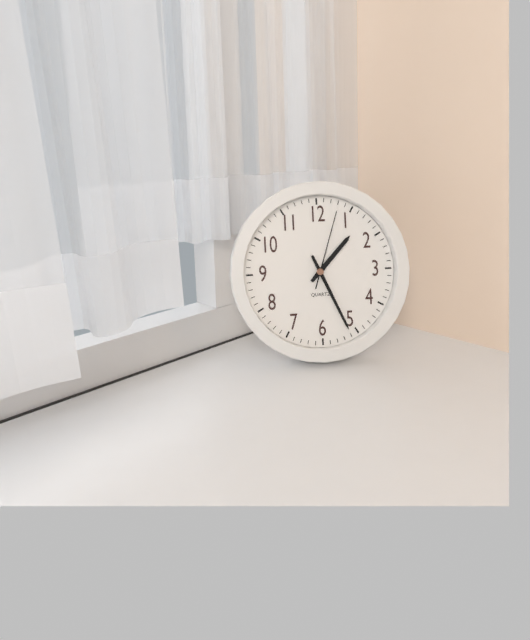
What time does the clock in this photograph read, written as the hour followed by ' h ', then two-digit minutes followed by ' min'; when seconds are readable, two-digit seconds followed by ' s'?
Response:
1 h 26 min 03 s
